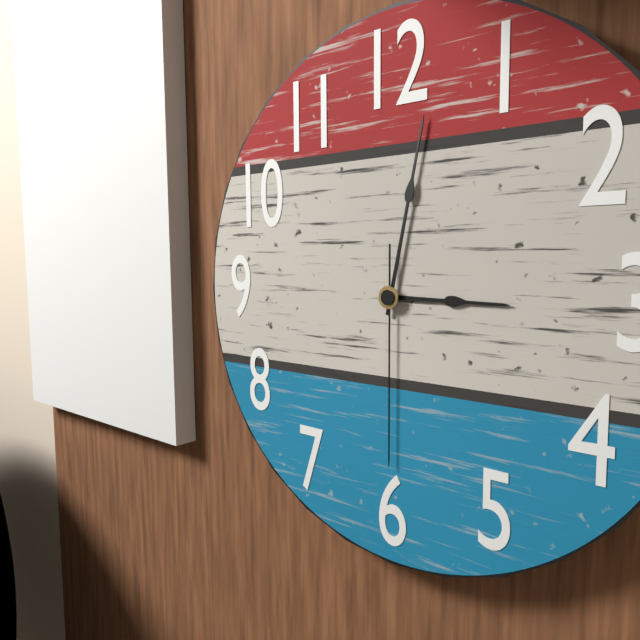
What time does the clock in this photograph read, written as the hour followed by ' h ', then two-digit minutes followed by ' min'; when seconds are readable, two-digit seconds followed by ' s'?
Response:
3 h 02 min 30 s
